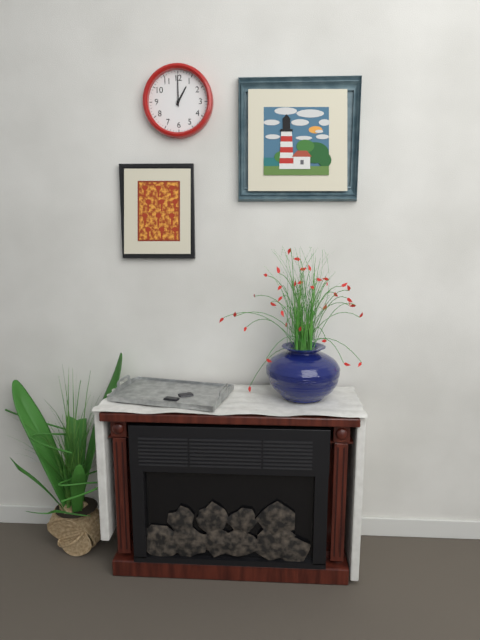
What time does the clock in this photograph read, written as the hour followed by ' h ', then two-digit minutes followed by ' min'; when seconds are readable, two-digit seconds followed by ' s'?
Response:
1 h 00 min
